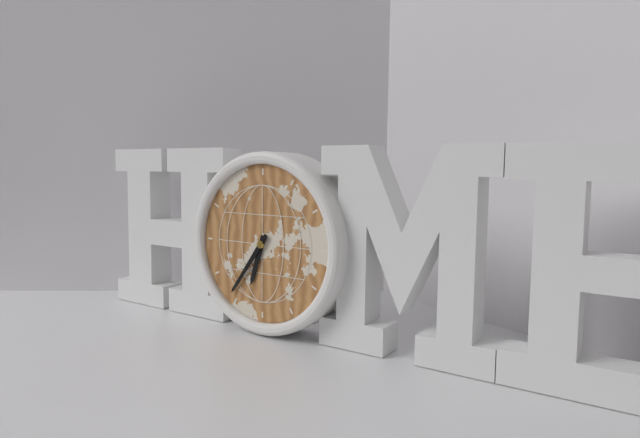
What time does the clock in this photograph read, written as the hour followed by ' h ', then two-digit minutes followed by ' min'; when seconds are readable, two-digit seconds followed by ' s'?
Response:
6 h 36 min
